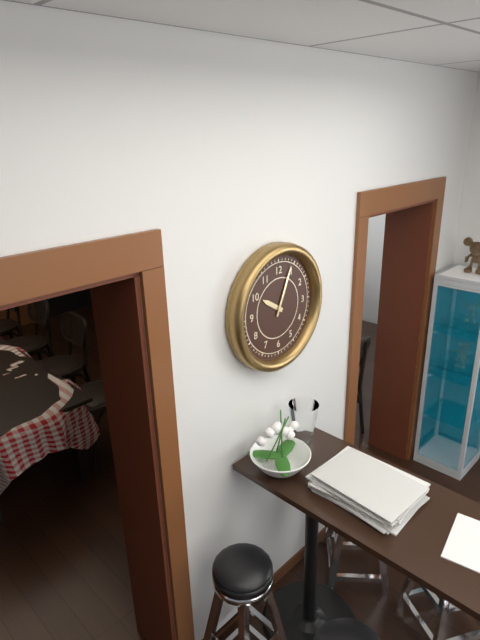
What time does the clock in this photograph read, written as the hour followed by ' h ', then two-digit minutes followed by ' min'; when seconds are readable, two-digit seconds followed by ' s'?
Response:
10 h 04 min
